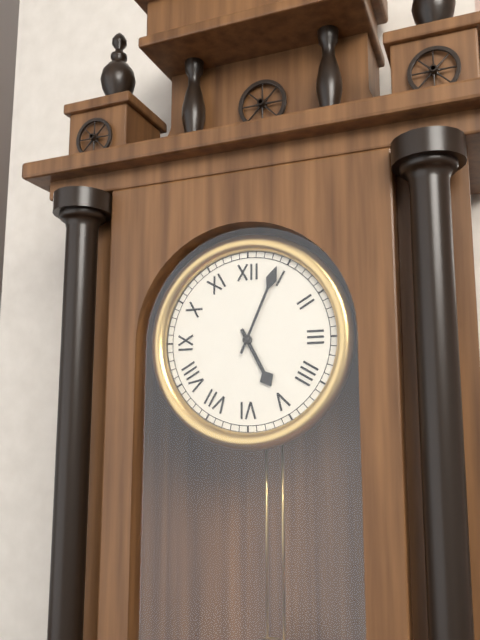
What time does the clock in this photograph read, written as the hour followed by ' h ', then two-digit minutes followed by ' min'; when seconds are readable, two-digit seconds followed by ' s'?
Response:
5 h 04 min
